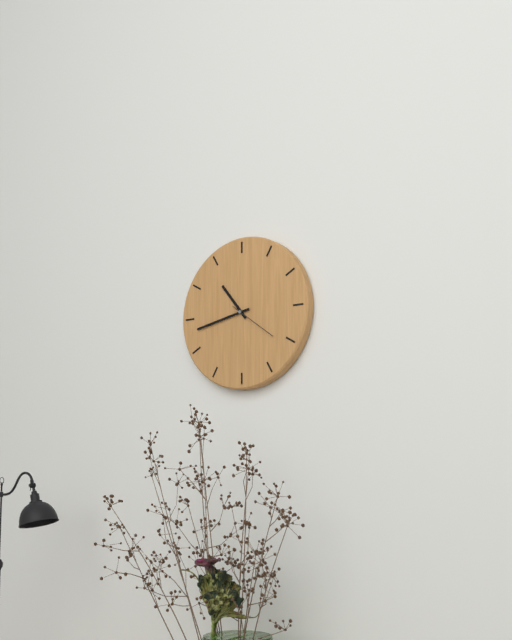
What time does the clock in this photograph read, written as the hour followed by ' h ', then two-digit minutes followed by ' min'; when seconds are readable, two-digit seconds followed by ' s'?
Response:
10 h 43 min
